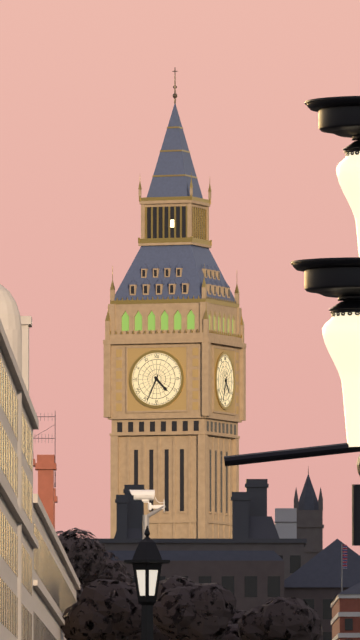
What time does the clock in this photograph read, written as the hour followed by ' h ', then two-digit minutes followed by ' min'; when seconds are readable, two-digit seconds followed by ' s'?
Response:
4 h 34 min
